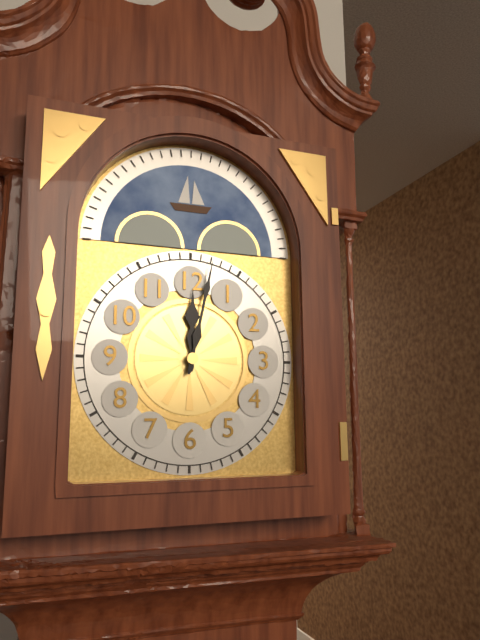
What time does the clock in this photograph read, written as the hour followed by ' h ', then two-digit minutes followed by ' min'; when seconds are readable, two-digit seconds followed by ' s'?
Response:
12 h 02 min
